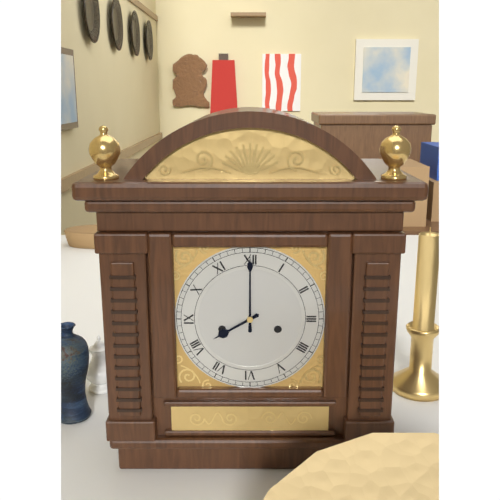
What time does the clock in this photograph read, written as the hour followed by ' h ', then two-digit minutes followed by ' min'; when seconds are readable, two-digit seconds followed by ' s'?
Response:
8 h 00 min
